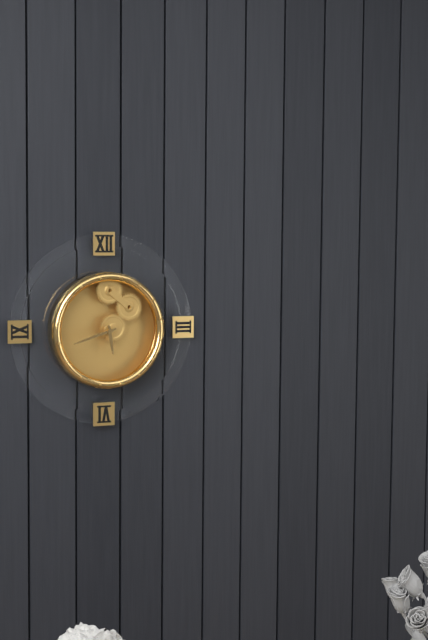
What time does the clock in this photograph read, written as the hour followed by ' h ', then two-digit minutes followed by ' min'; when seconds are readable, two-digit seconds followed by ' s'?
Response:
5 h 42 min
